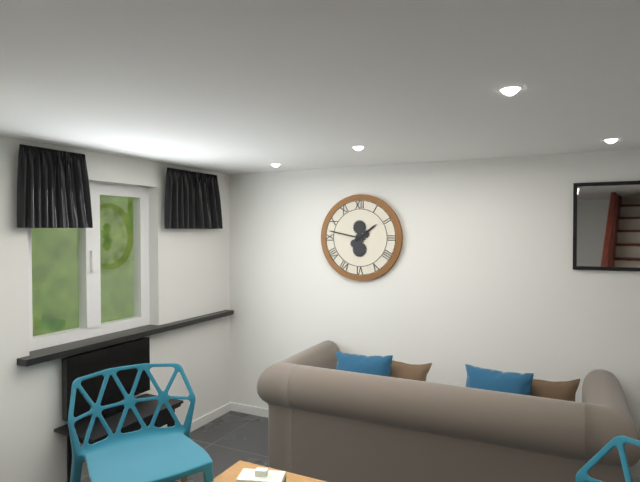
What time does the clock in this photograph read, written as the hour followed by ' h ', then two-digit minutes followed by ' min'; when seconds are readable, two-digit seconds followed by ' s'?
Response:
1 h 47 min
